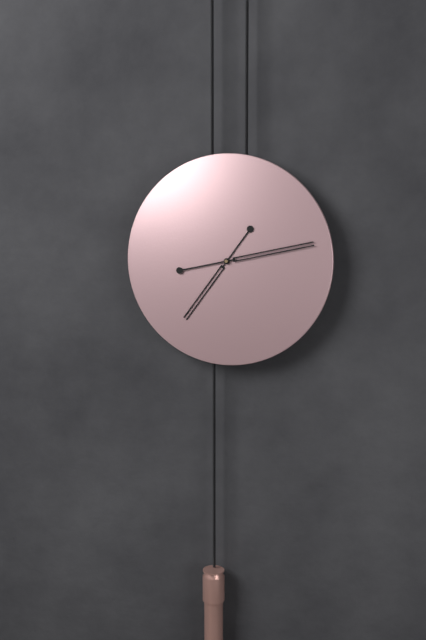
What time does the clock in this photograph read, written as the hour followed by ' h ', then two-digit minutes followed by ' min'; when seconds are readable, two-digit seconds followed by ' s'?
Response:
7 h 13 min
